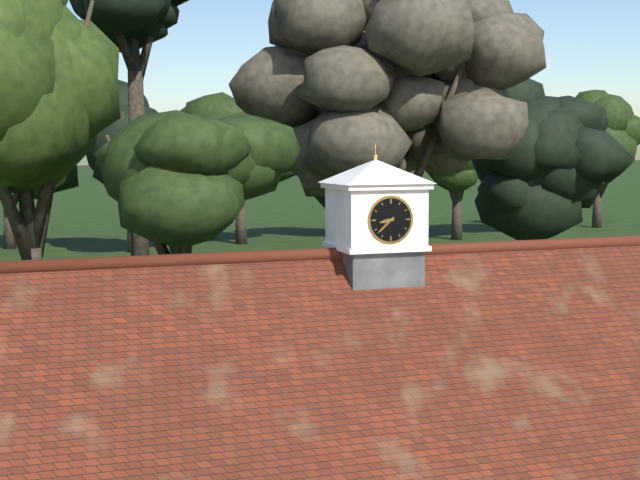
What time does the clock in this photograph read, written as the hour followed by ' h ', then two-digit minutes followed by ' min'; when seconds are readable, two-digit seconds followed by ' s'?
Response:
8 h 38 min
